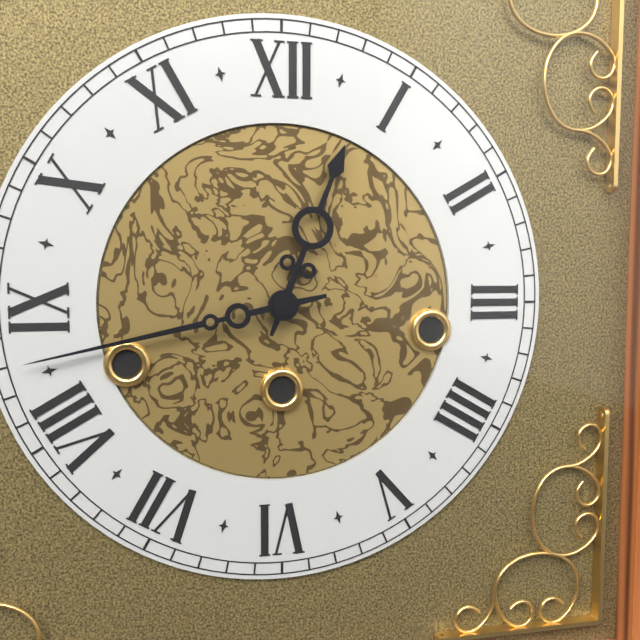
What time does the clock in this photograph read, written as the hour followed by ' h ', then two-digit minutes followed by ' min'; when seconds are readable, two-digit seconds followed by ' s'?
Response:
12 h 43 min
